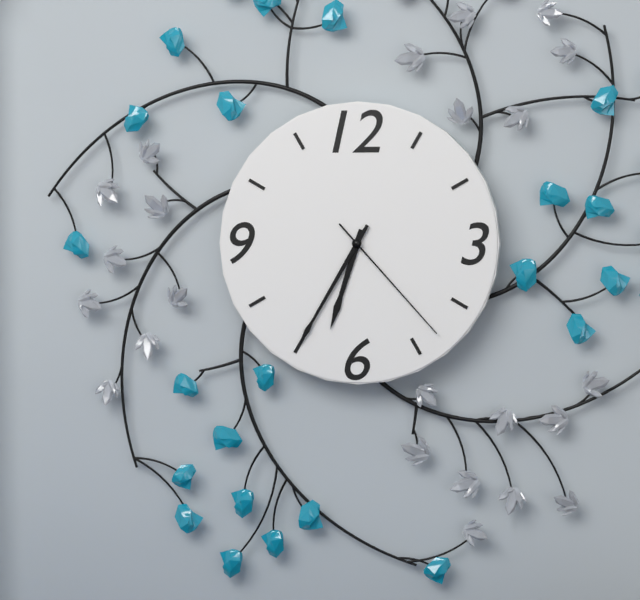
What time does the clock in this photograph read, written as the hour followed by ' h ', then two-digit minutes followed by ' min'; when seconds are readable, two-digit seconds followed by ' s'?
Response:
6 h 35 min 23 s
